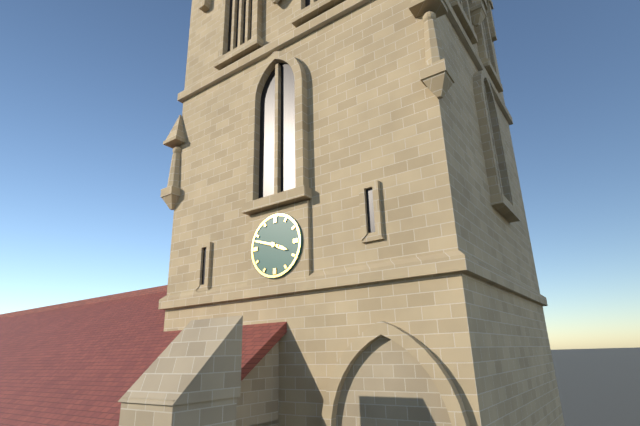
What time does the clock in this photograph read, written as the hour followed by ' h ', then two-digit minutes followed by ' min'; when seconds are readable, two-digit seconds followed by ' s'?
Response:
3 h 48 min
